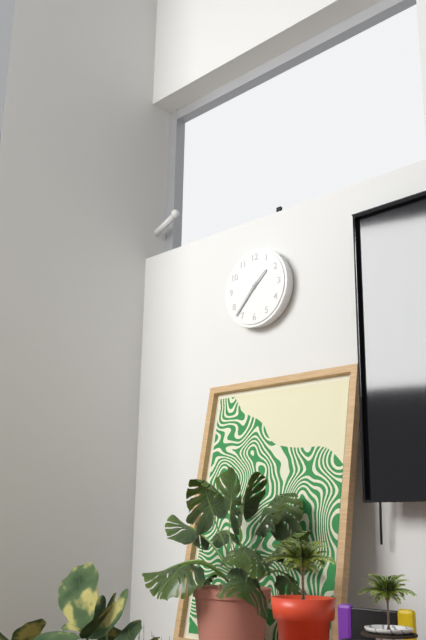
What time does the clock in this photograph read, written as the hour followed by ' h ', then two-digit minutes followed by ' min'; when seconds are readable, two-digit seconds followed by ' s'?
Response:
1 h 37 min
